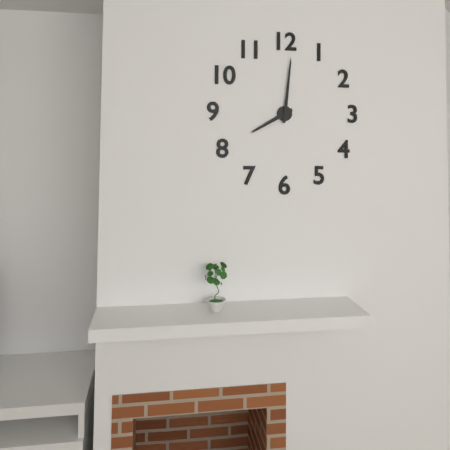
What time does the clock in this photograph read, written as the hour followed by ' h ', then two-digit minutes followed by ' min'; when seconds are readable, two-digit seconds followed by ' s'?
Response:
8 h 01 min
